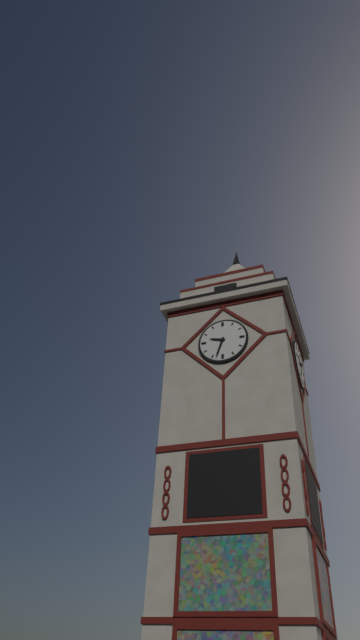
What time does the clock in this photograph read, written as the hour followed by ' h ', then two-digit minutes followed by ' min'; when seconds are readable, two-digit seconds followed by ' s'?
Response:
9 h 33 min
